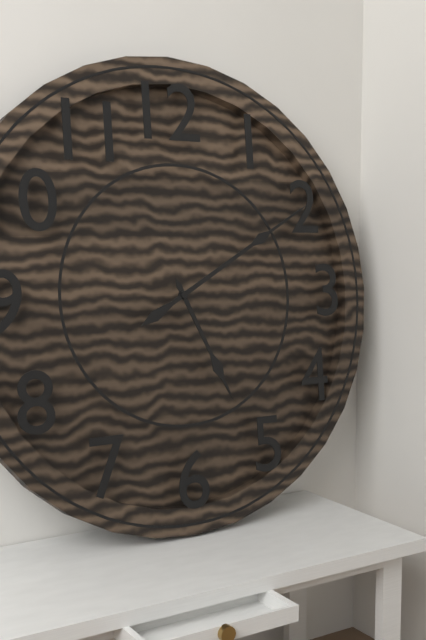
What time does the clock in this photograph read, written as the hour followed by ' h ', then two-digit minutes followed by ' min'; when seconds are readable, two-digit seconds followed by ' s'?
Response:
5 h 10 min
